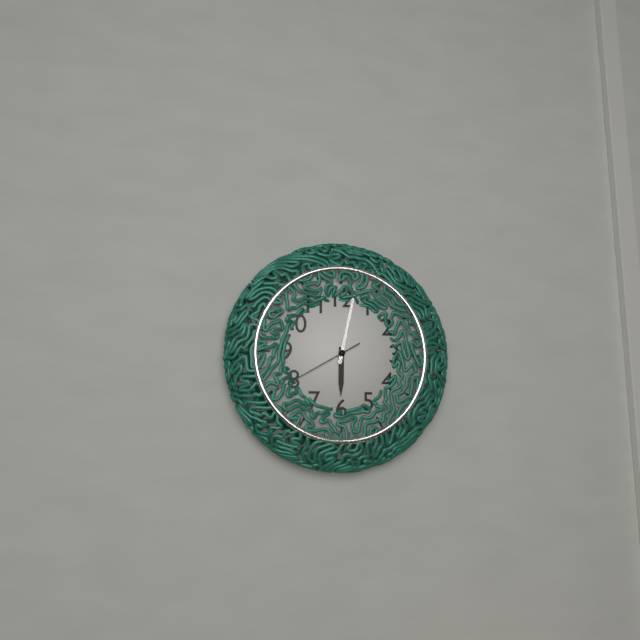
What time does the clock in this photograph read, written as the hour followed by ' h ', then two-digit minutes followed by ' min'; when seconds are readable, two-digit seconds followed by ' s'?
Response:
6 h 02 min 40 s
